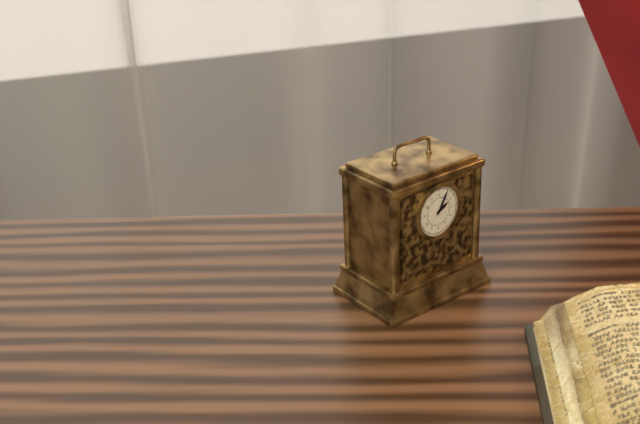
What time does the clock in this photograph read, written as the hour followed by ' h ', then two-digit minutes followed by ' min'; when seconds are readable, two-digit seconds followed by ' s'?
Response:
2 h 05 min
